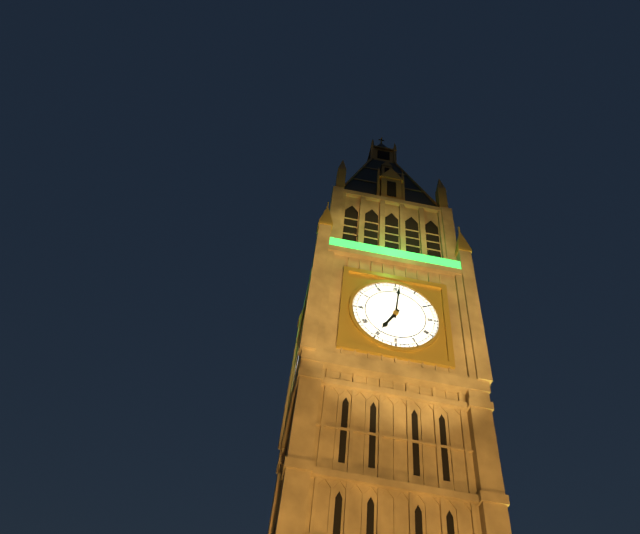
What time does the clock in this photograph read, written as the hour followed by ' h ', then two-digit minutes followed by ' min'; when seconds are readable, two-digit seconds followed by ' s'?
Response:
7 h 01 min
